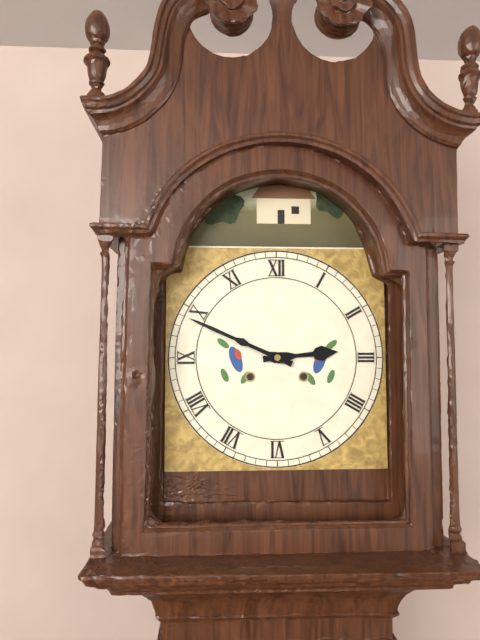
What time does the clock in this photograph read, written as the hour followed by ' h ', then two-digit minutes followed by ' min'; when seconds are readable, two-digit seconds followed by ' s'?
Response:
2 h 49 min
